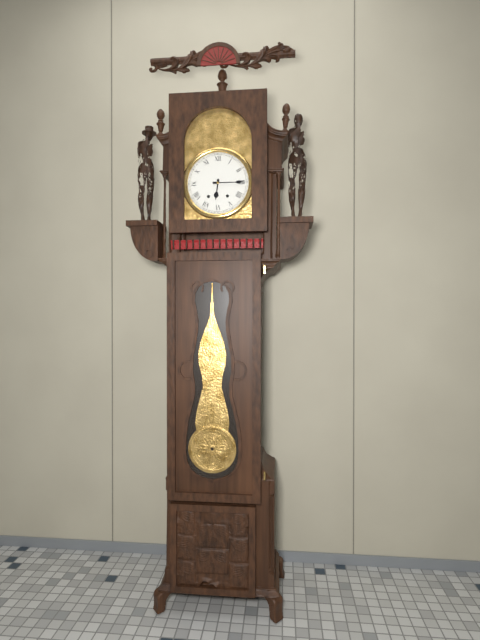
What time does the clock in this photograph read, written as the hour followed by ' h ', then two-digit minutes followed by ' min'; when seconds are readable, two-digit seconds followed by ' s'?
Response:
6 h 15 min
